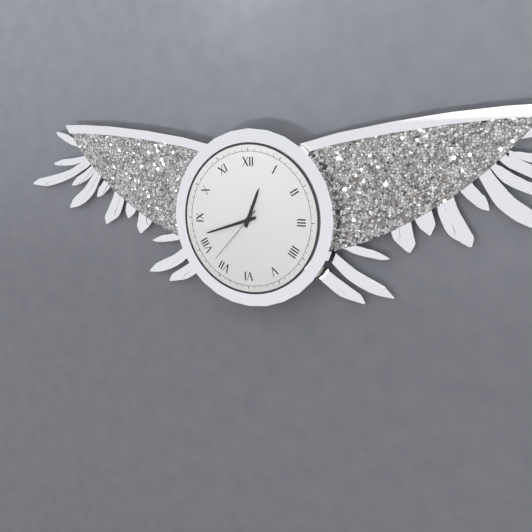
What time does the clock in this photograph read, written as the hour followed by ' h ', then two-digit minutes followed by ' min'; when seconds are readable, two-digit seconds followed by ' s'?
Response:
12 h 42 min 37 s
